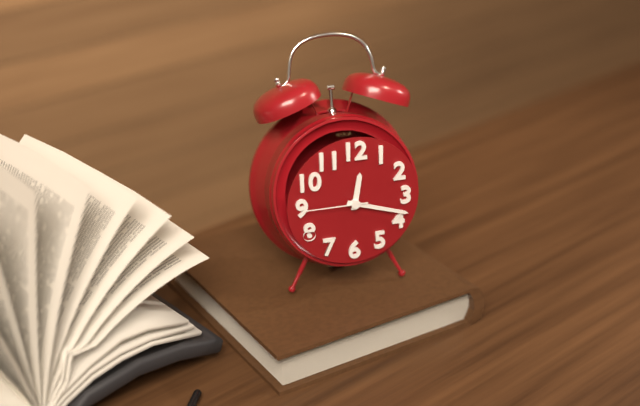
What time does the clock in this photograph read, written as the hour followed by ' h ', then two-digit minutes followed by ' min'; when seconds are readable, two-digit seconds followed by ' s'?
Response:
12 h 18 min 45 s
